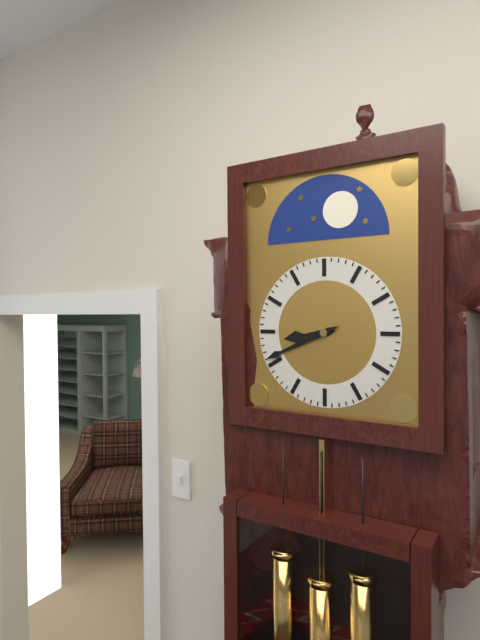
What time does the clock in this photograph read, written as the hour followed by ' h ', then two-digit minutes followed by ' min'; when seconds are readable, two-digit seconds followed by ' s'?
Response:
8 h 41 min
